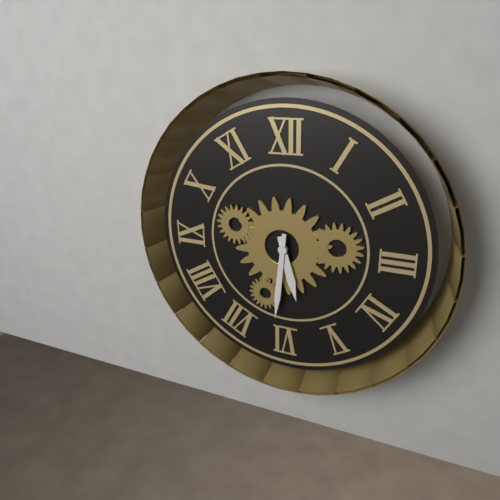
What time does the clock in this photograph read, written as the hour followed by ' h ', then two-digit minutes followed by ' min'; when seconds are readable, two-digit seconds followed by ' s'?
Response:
5 h 31 min
